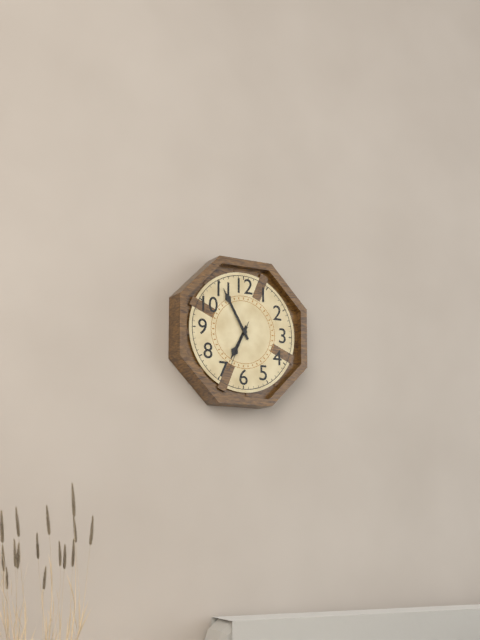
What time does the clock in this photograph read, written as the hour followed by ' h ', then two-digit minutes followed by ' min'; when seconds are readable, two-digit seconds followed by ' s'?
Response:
6 h 55 min 34 s
